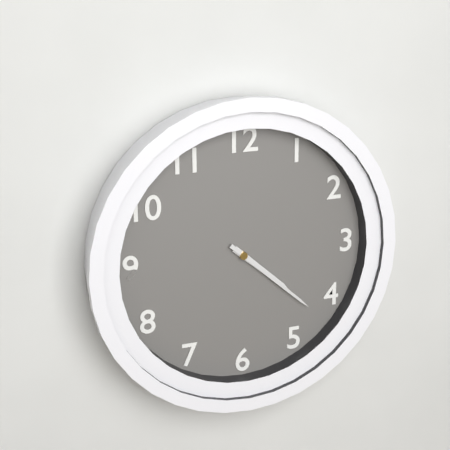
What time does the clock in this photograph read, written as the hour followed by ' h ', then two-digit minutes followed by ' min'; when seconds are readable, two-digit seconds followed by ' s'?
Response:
4 h 22 min
